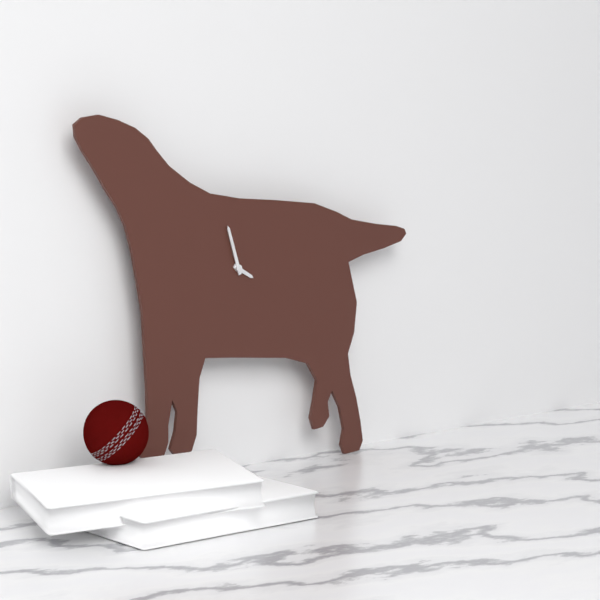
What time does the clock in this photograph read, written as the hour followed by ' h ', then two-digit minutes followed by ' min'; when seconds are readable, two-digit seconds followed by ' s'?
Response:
3 h 57 min
